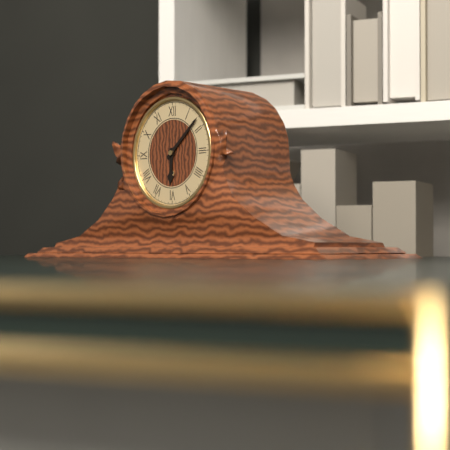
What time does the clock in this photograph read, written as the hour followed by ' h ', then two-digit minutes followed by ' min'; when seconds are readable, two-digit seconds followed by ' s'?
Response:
6 h 08 min
